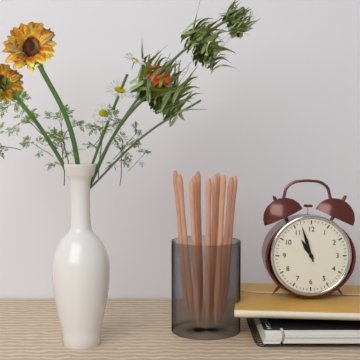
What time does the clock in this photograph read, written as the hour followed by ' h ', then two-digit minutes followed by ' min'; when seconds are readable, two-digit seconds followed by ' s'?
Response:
10 h 57 min
